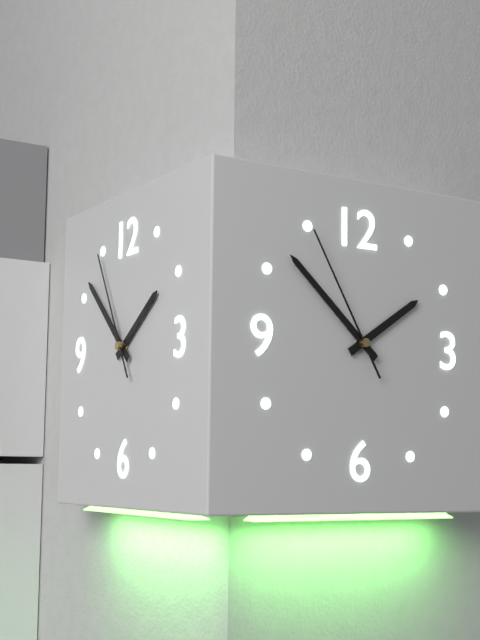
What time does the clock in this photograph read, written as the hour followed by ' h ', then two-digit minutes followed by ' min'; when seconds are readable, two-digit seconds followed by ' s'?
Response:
1 h 52 min 55 s
